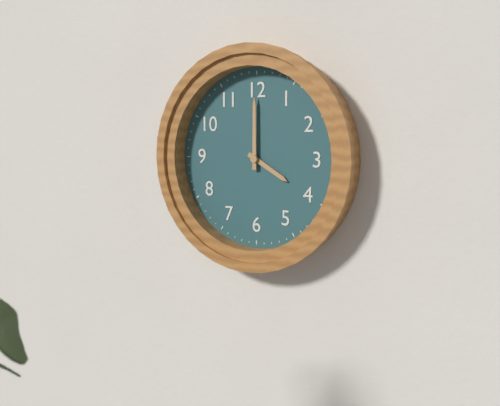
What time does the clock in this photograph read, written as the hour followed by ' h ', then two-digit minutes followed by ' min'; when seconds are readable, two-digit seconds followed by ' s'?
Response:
4 h 00 min
